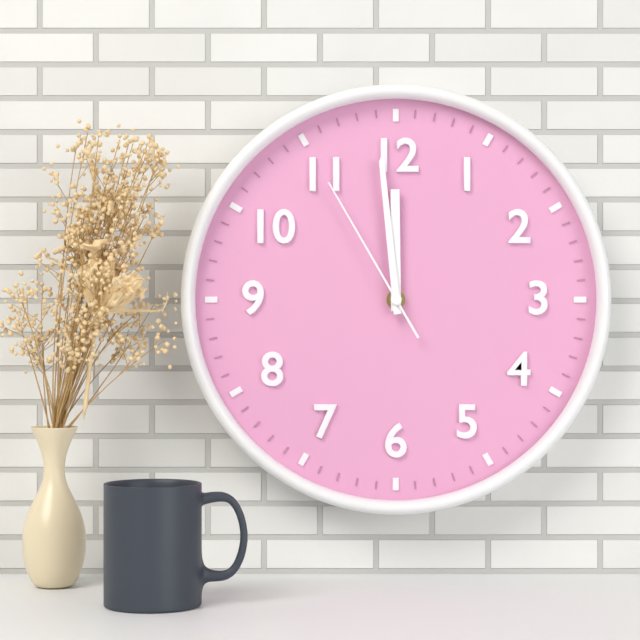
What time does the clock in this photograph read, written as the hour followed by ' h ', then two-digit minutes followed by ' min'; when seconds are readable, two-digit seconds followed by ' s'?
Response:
11 h 59 min 55 s
